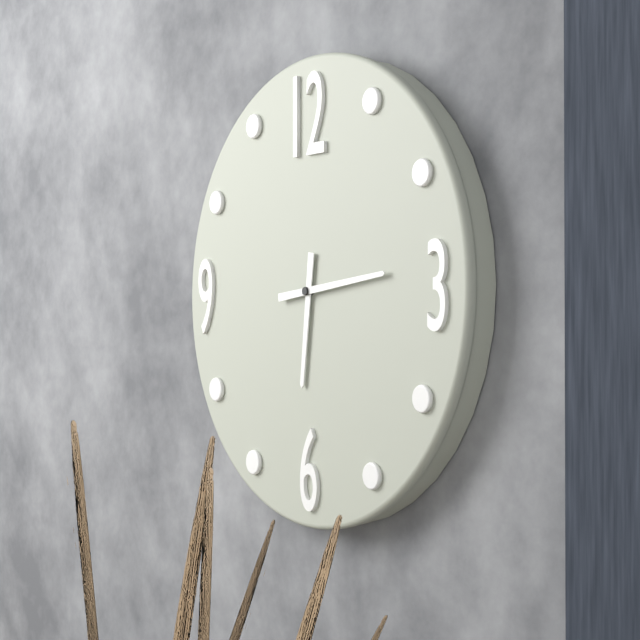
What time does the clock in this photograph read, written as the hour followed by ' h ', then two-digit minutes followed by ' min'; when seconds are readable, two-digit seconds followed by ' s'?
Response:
6 h 14 min
